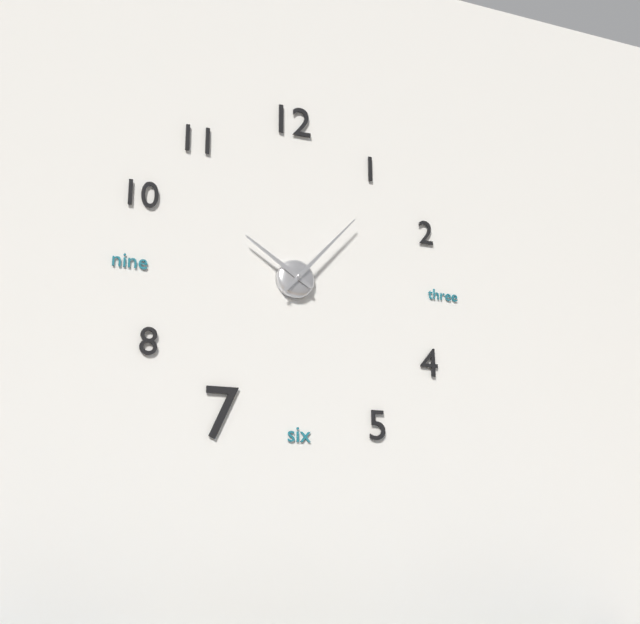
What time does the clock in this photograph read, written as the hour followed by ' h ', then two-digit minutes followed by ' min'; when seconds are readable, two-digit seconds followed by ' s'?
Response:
10 h 07 min
